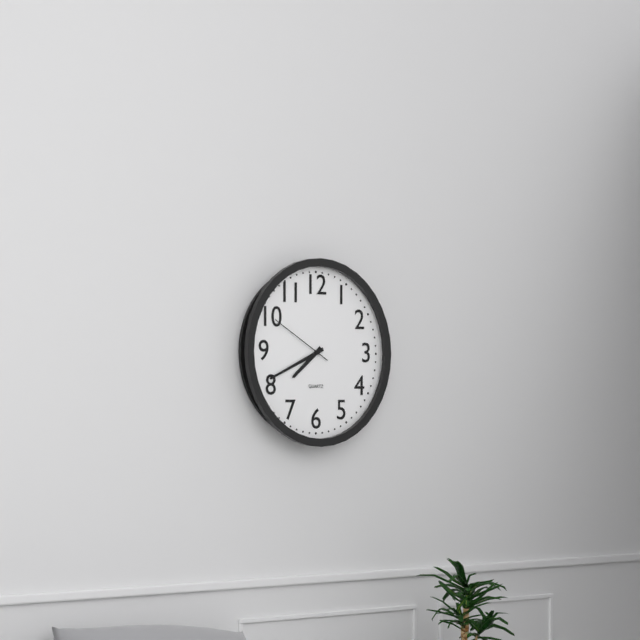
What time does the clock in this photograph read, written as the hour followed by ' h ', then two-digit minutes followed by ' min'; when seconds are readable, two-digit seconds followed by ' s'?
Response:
7 h 41 min 50 s
